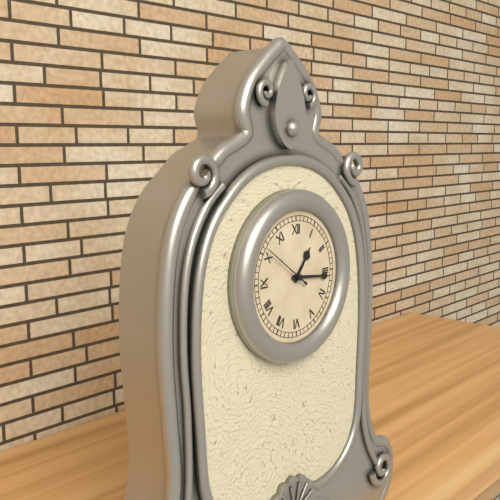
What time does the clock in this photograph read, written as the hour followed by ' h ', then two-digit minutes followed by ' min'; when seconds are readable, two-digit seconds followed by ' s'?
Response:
1 h 16 min 51 s
